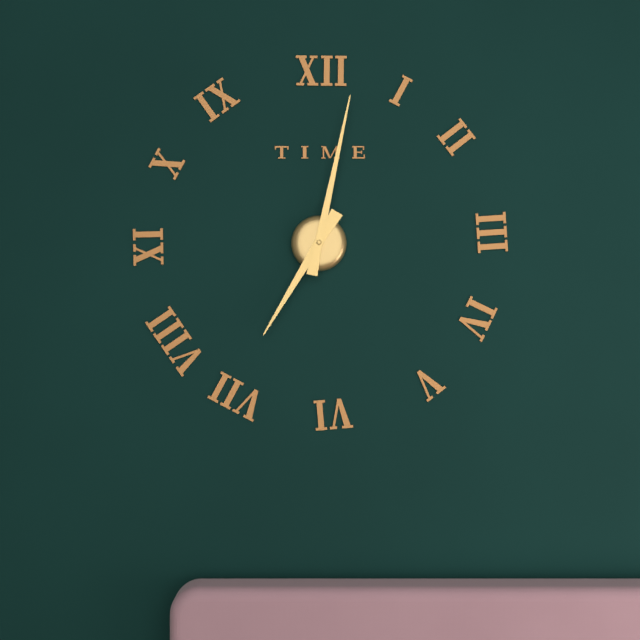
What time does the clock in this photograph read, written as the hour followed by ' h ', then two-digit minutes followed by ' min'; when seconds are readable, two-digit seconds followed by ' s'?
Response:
7 h 02 min
